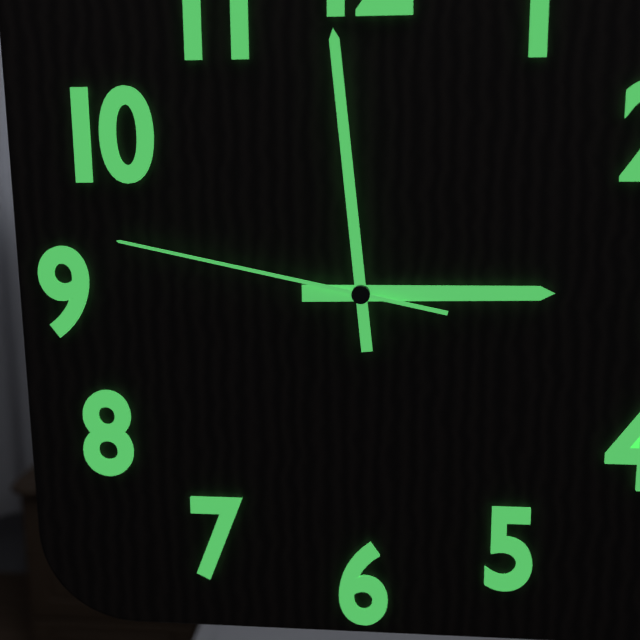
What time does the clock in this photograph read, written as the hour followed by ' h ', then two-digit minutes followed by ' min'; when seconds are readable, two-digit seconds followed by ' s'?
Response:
2 h 59 min 47 s
